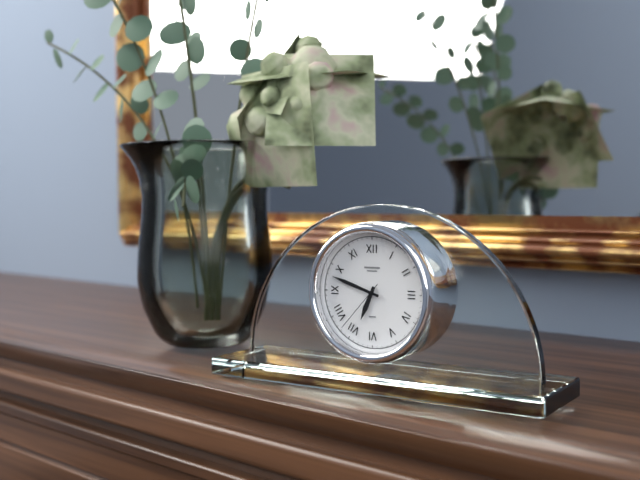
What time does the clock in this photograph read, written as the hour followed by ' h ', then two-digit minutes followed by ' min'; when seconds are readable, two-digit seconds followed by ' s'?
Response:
6 h 48 min 37 s
